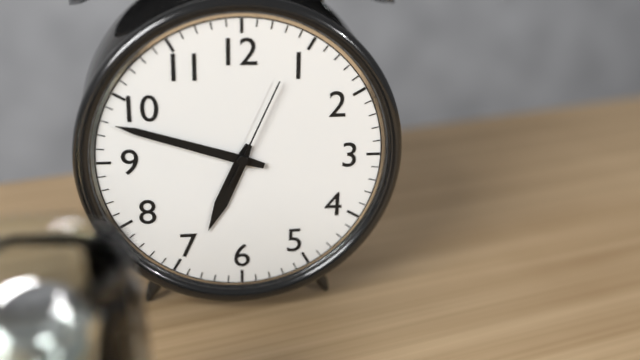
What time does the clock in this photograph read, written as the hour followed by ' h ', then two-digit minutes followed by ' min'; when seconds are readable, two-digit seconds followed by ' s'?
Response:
6 h 48 min 04 s
